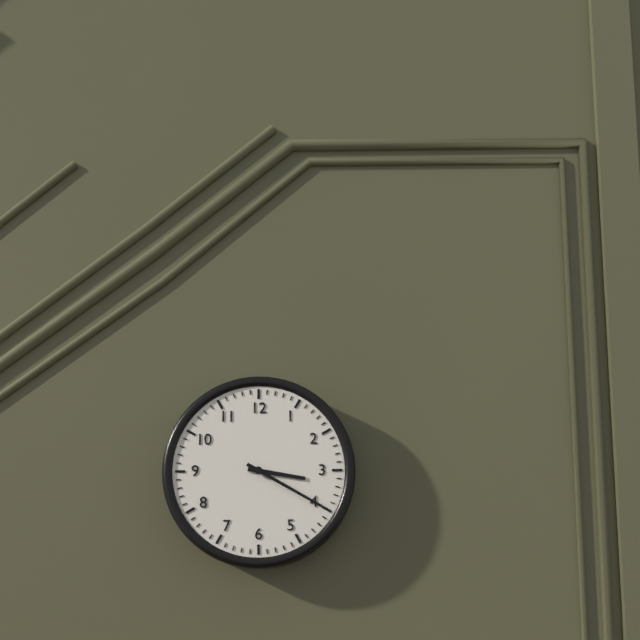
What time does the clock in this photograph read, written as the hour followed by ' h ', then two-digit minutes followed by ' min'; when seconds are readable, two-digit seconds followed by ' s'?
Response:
3 h 20 min
